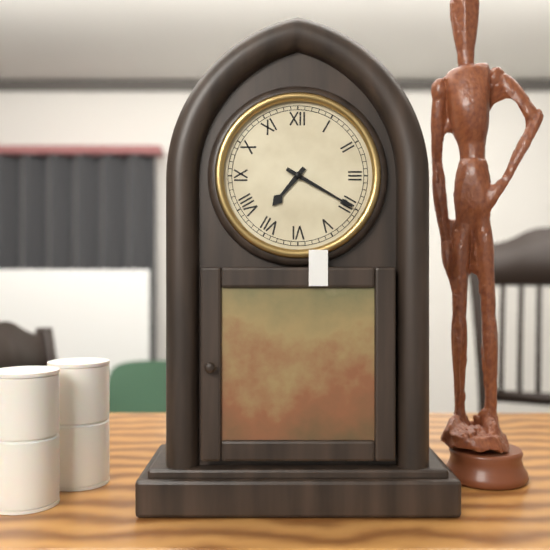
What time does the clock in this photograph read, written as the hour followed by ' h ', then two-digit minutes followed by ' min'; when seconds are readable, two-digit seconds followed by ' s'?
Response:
7 h 20 min
